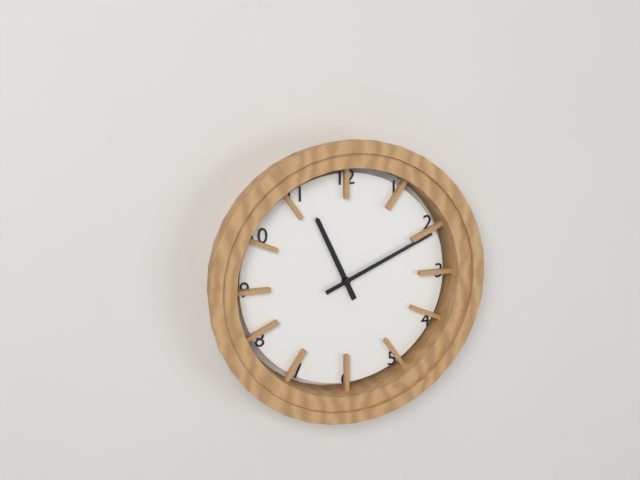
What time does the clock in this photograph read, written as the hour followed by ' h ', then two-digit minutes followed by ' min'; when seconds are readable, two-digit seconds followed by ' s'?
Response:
11 h 11 min
